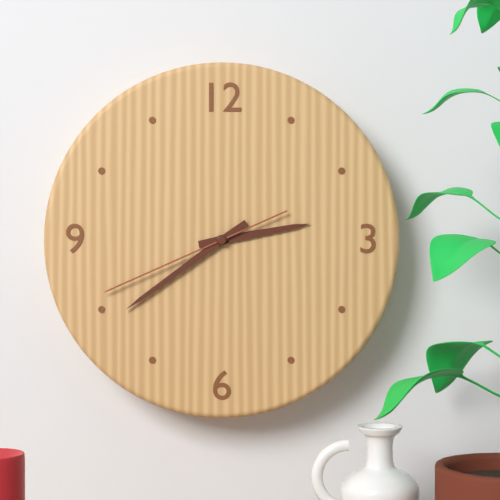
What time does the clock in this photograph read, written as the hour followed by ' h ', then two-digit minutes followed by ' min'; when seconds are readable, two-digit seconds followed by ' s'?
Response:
2 h 39 min 41 s
